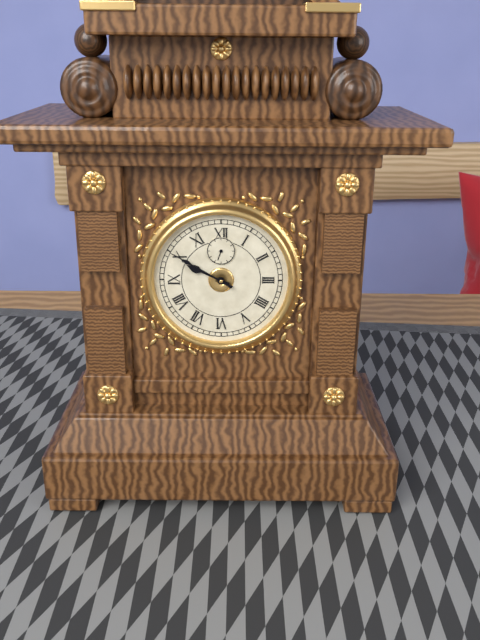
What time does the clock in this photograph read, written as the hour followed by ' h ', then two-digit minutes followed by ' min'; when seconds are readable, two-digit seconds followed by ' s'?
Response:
9 h 50 min
